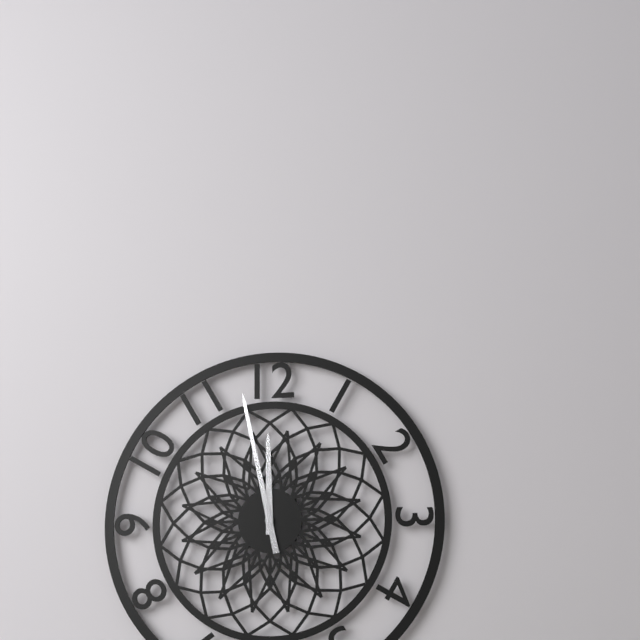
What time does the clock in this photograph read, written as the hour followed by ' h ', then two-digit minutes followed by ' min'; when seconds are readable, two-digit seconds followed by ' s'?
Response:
11 h 58 min
